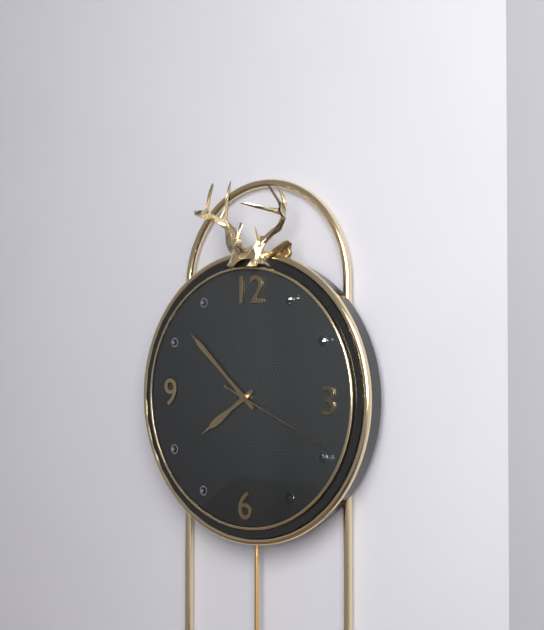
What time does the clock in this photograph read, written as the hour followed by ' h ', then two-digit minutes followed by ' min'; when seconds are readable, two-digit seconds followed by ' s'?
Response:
7 h 52 min 19 s
